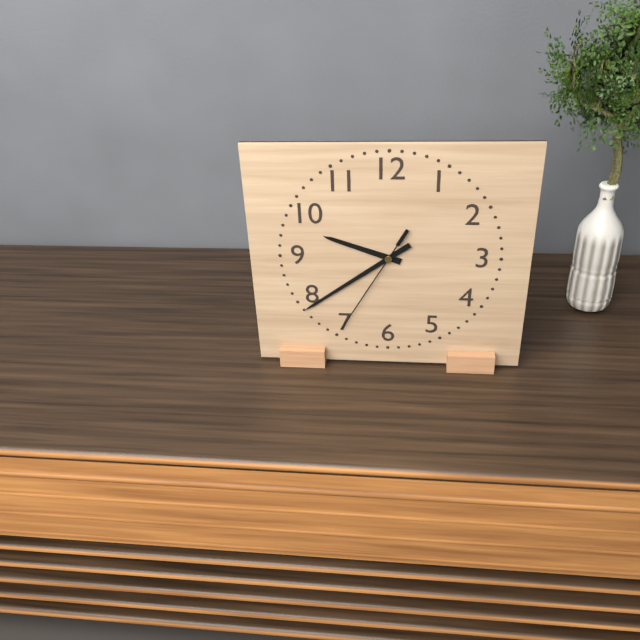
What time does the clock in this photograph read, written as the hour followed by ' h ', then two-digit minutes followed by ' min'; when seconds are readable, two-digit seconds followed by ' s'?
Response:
9 h 39 min 35 s
